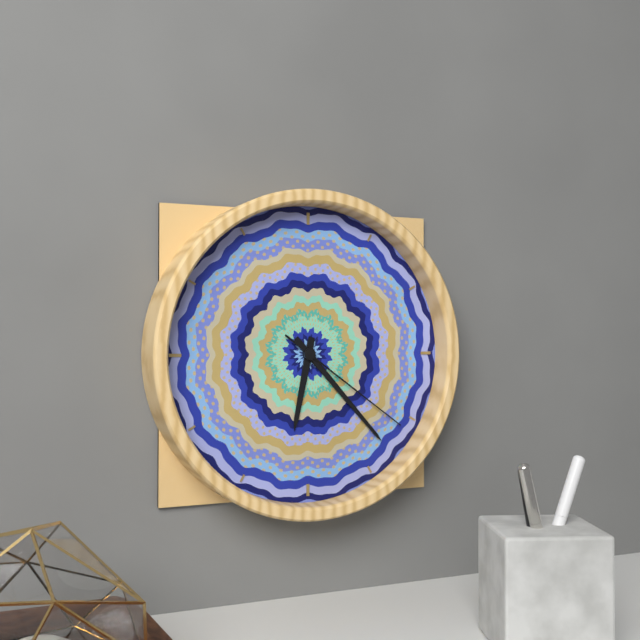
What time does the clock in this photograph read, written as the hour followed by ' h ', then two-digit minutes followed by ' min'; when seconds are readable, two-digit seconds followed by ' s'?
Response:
6 h 23 min 21 s
